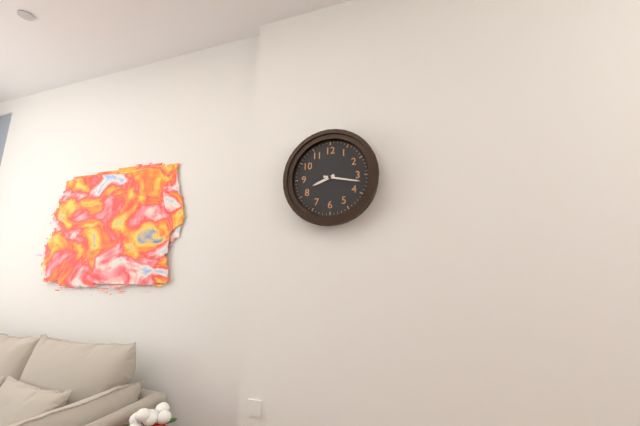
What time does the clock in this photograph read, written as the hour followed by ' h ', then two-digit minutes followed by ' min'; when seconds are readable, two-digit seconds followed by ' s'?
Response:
8 h 17 min
